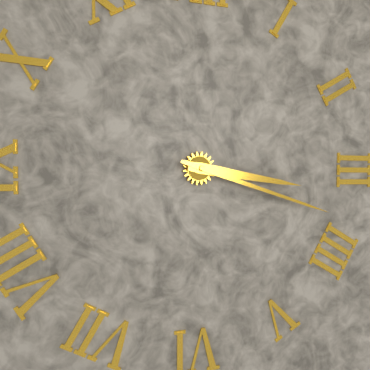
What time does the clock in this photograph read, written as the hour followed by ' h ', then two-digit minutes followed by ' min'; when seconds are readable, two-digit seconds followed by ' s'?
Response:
3 h 18 min
